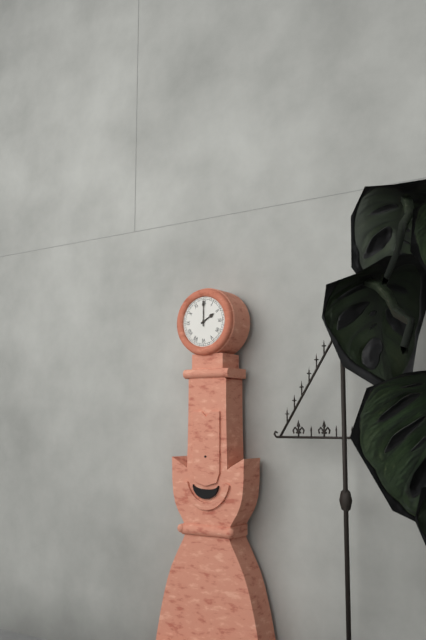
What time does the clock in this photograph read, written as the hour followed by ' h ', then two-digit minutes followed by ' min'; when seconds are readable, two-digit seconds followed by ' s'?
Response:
2 h 00 min
